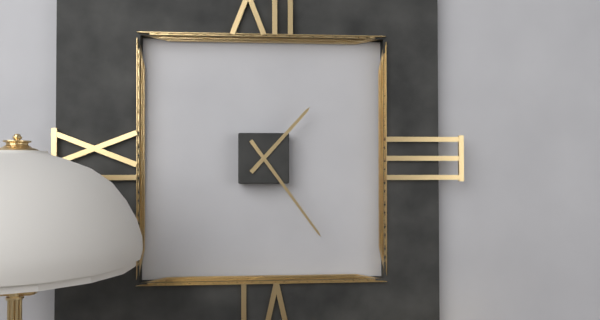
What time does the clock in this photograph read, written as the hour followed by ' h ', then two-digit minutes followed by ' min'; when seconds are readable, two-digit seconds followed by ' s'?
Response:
1 h 24 min
